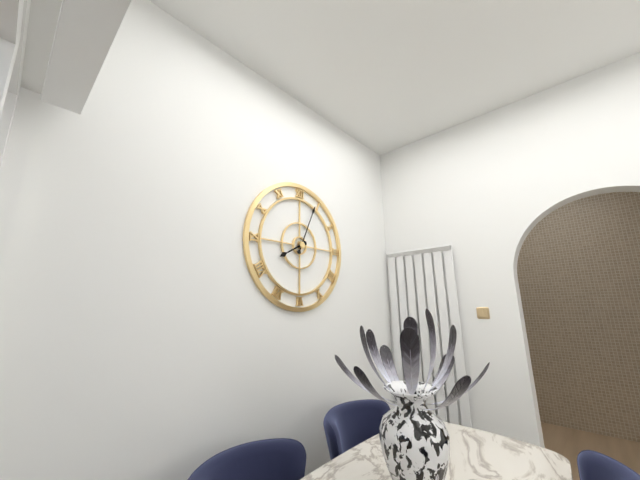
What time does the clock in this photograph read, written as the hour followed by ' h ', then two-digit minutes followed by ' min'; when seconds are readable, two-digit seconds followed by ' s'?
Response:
8 h 04 min
